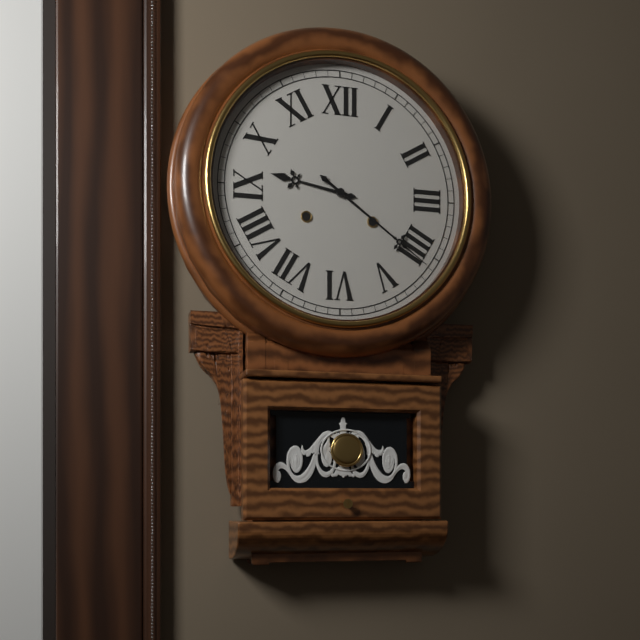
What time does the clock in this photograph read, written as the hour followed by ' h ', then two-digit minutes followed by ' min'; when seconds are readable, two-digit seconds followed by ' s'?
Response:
9 h 21 min
